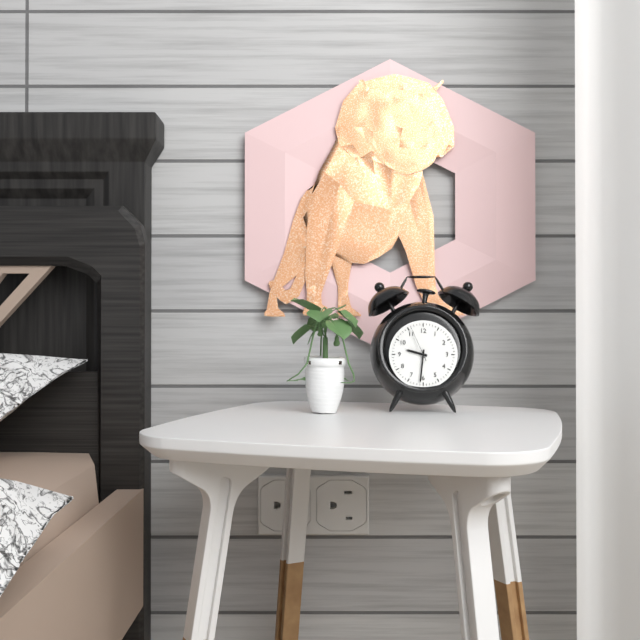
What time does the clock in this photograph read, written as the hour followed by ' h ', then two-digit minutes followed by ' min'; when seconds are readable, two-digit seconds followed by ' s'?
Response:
9 h 31 min
